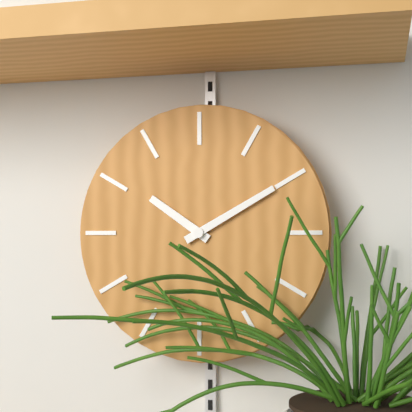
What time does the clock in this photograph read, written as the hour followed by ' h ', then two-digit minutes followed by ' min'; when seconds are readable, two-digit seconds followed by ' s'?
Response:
10 h 10 min
